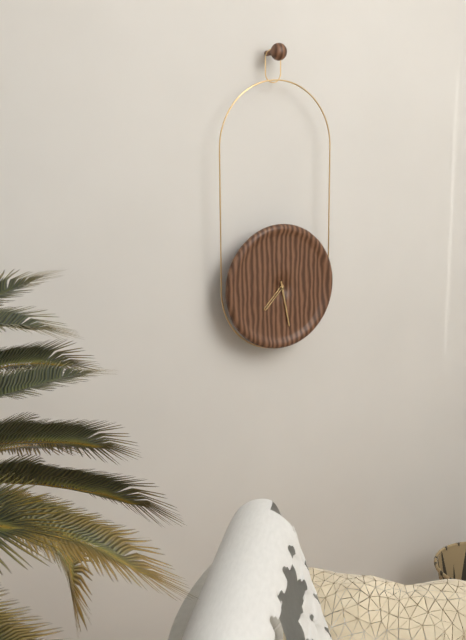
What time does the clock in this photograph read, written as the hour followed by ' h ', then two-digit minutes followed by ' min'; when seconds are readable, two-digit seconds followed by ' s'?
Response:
7 h 28 min
